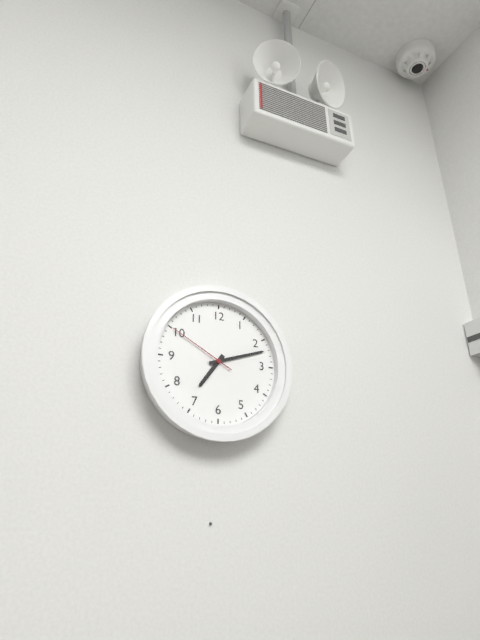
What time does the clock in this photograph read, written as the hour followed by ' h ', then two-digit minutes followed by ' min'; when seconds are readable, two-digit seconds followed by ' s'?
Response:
7 h 12 min 50 s
